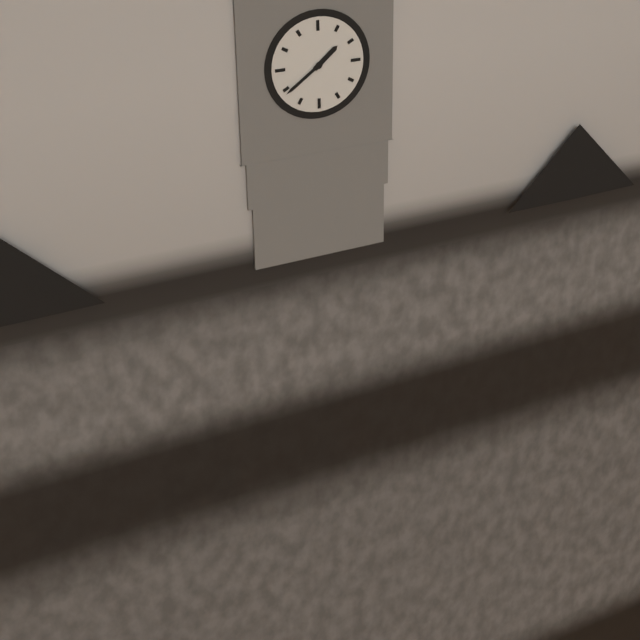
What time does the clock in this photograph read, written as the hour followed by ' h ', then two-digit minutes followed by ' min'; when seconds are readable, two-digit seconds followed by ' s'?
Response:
1 h 39 min
